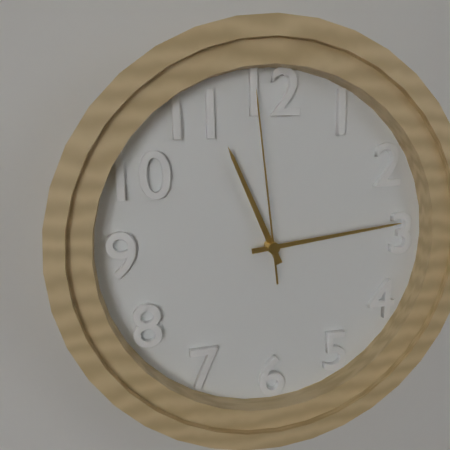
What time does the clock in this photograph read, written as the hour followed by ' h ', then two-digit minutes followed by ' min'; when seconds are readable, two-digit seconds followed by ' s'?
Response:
11 h 14 min 59 s
